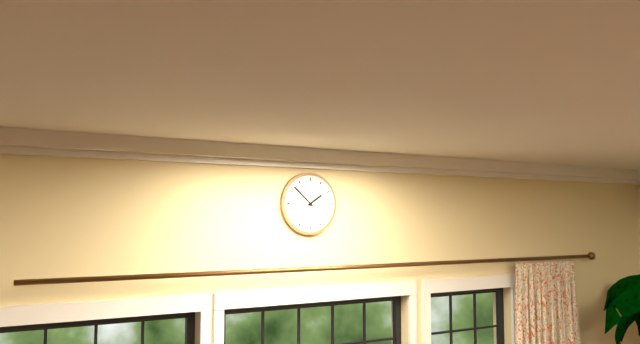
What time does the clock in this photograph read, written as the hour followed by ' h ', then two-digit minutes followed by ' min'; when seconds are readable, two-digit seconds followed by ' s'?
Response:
1 h 52 min
